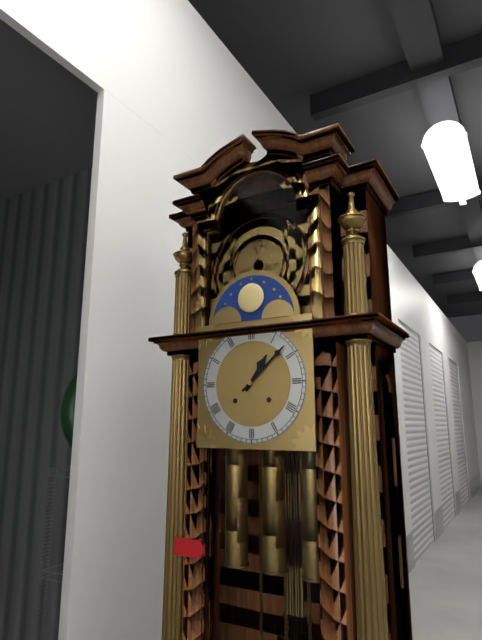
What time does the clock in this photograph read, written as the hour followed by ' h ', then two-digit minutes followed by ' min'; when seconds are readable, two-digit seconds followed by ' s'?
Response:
1 h 08 min
